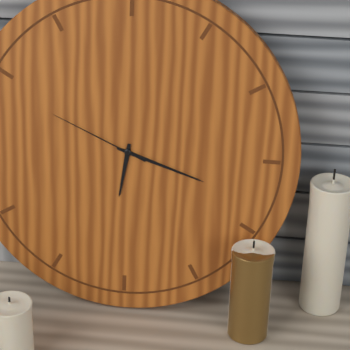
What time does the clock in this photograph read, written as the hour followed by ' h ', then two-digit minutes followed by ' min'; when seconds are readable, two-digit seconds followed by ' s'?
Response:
6 h 18 min 49 s
